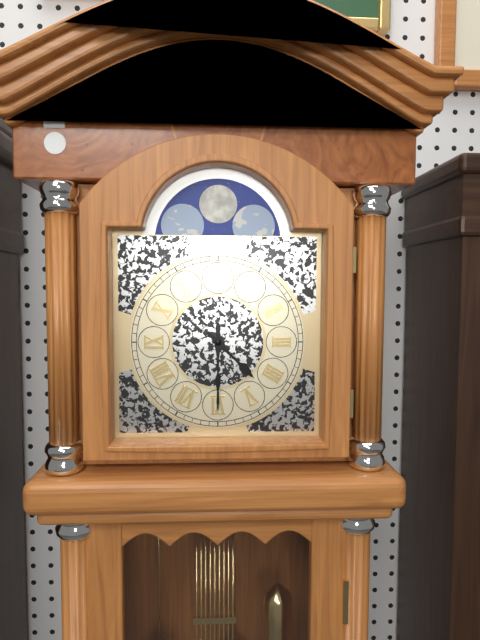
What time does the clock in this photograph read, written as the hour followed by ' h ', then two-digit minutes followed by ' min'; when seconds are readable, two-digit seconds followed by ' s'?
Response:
4 h 30 min
